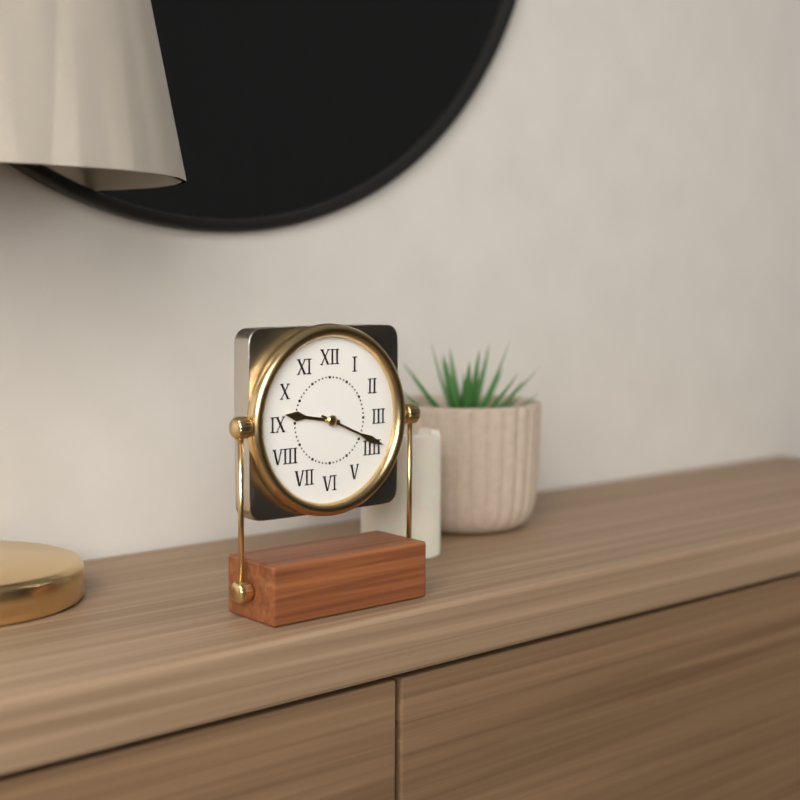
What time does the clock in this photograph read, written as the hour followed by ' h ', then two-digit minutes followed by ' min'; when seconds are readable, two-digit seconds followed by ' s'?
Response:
9 h 19 min
